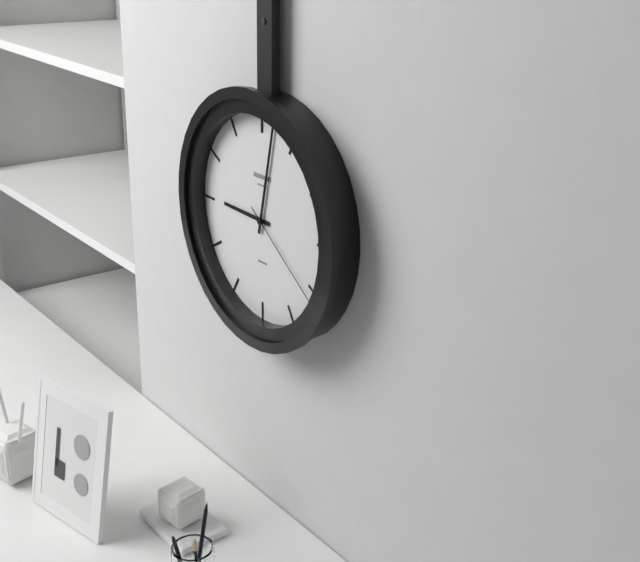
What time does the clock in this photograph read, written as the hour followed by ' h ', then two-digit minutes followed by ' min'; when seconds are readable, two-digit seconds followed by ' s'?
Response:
9 h 02 min 21 s
